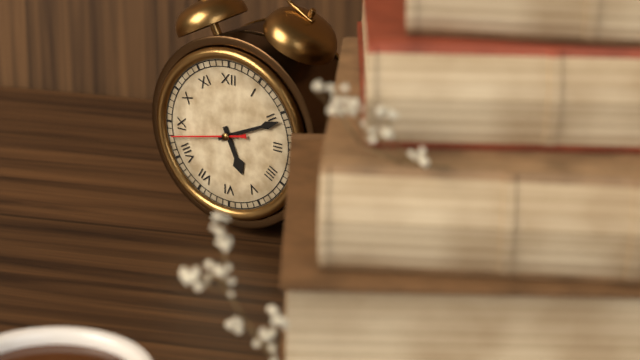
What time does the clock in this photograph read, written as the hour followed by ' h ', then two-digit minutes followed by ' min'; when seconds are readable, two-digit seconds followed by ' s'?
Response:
5 h 11 min 43 s
